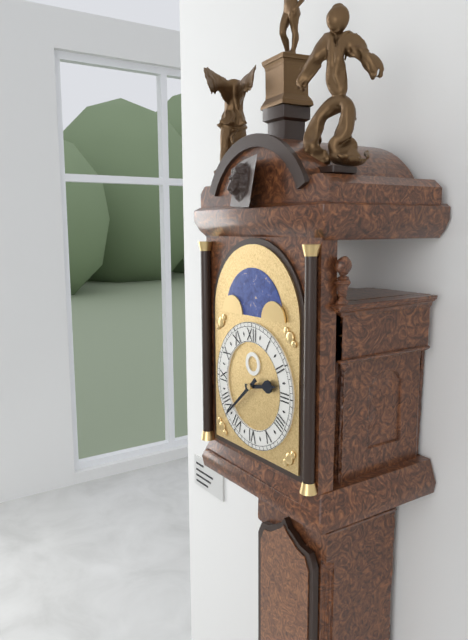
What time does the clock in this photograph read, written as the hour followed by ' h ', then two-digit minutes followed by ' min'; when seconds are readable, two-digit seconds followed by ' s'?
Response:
2 h 38 min
